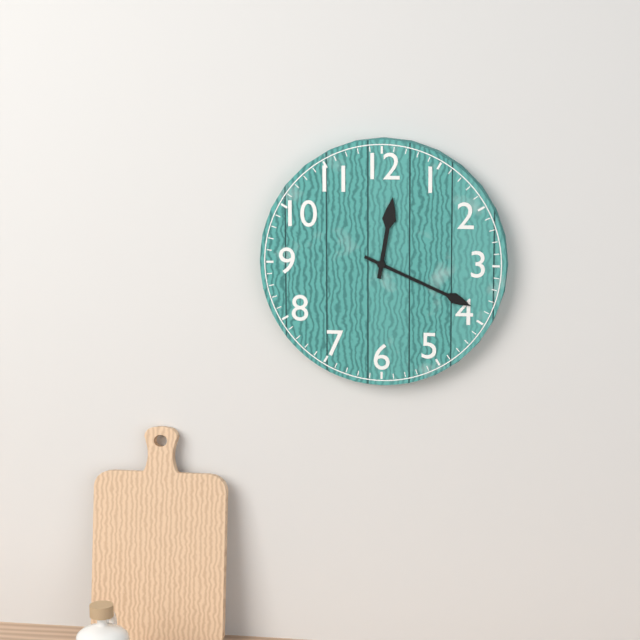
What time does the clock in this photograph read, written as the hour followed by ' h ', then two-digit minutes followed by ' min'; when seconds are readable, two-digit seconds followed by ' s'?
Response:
12 h 19 min
